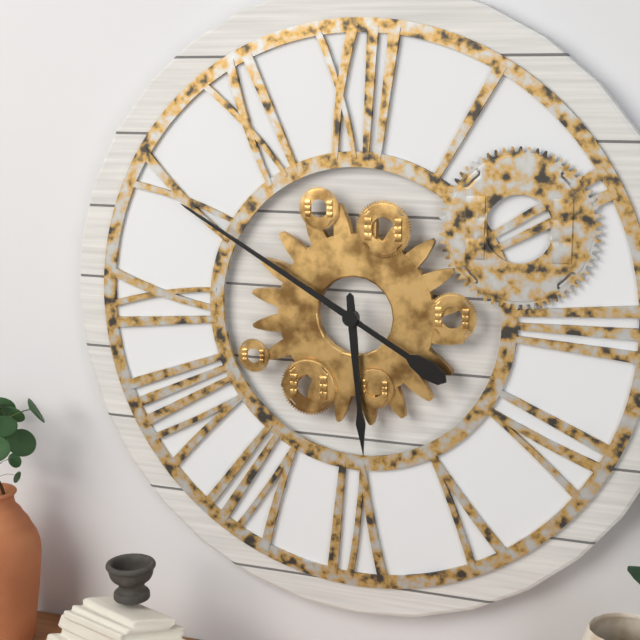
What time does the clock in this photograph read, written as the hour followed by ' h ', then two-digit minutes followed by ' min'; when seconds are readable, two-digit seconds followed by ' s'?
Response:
5 h 50 min
